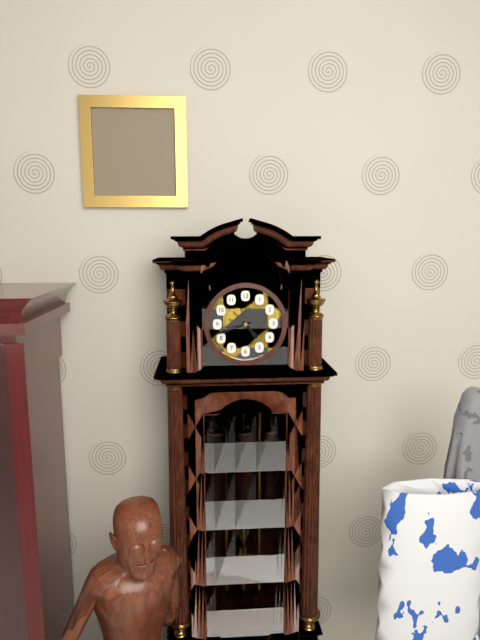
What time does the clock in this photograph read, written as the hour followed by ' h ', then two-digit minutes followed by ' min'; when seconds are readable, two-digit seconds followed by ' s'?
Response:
4 h 42 min
